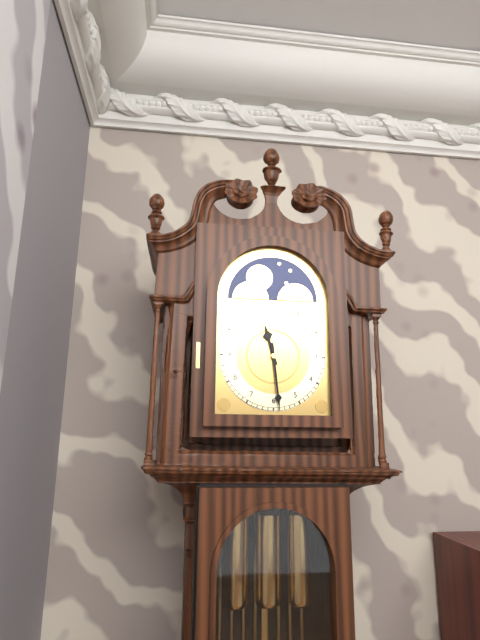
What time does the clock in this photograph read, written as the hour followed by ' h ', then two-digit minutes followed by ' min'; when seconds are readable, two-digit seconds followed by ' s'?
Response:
11 h 29 min
